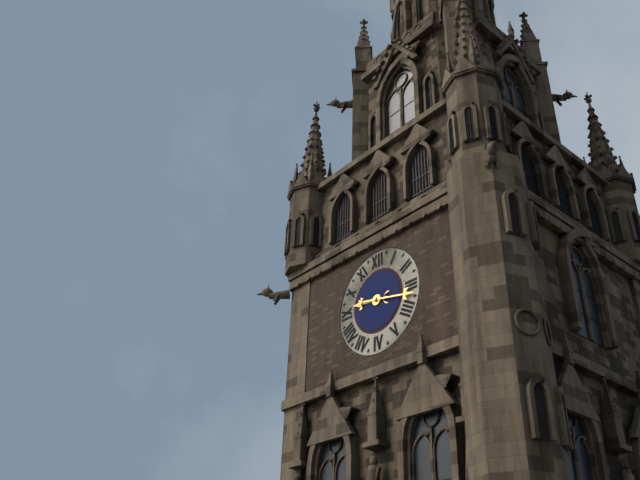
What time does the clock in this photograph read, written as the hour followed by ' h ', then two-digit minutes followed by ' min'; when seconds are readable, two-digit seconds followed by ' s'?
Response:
9 h 17 min
